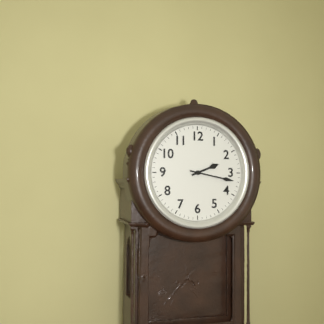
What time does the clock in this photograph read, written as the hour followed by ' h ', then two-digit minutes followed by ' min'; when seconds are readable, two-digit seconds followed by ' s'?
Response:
2 h 17 min
